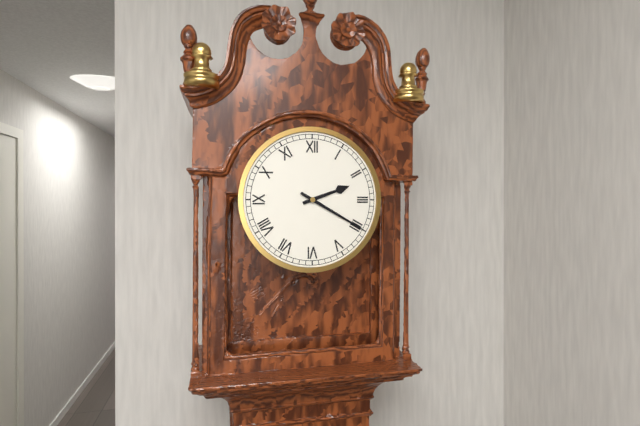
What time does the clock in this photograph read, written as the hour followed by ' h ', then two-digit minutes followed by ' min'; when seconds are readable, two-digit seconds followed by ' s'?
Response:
2 h 20 min
